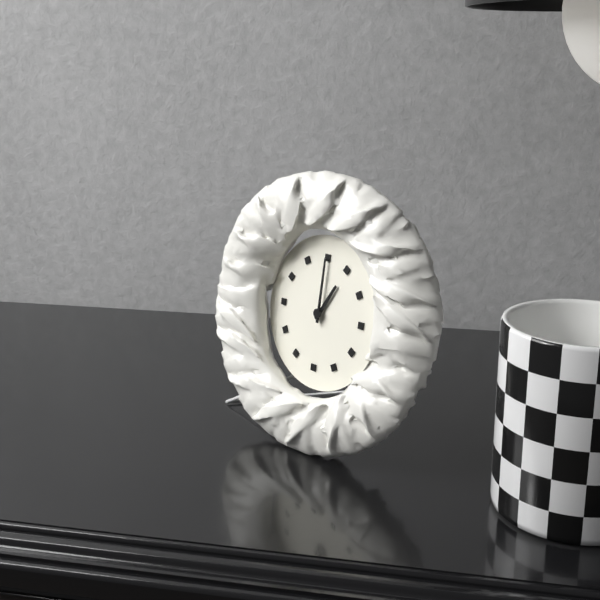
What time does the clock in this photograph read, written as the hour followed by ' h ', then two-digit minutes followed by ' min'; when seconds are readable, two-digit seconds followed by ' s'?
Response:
1 h 00 min
